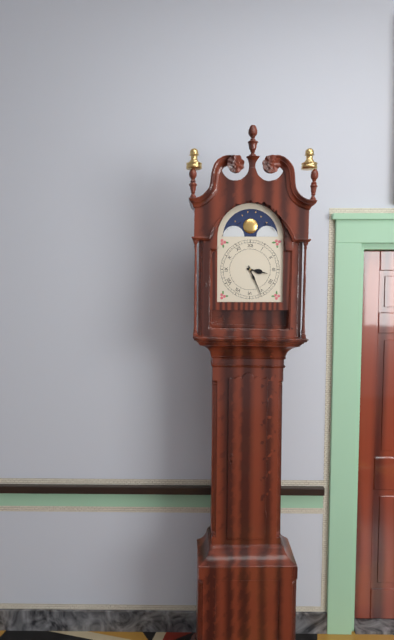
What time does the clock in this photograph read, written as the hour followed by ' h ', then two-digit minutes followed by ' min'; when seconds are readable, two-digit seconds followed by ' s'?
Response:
3 h 26 min
